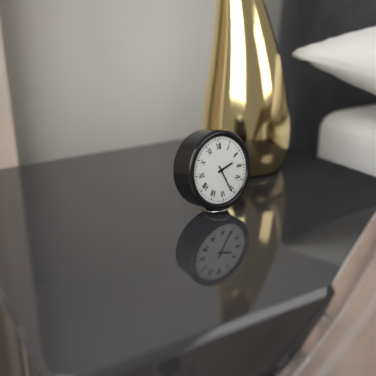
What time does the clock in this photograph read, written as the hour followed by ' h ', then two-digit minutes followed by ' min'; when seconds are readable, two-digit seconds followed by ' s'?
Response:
2 h 26 min
